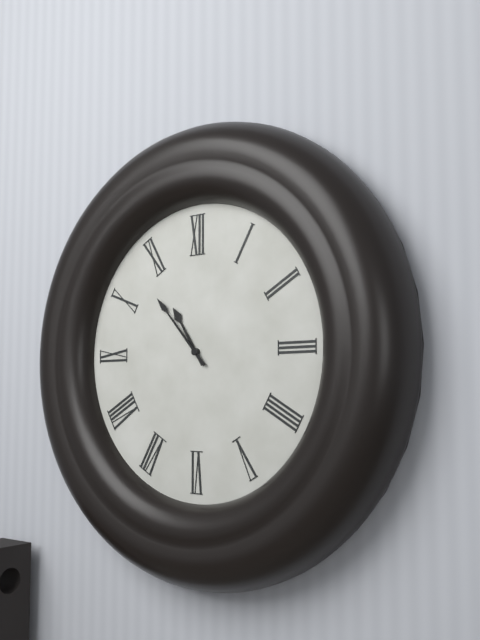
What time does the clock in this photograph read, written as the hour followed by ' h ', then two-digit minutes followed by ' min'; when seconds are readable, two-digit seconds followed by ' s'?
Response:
10 h 53 min
